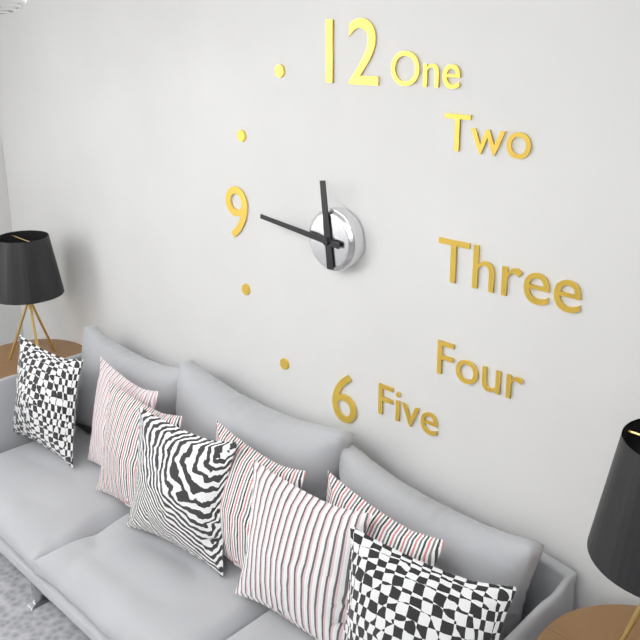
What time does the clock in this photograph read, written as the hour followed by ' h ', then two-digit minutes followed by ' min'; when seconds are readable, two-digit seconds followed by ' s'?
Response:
11 h 46 min
